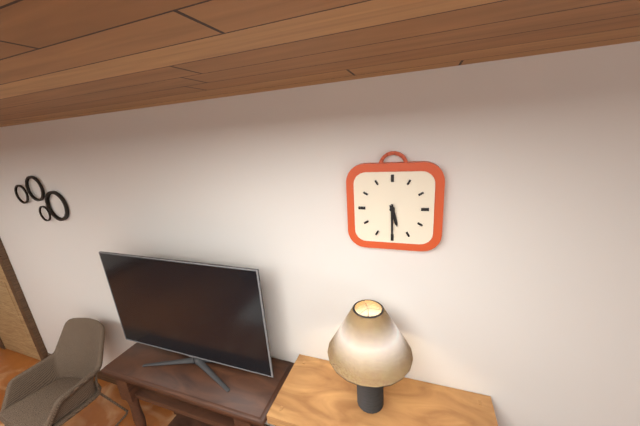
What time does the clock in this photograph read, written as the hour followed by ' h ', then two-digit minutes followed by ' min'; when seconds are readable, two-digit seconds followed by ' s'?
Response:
5 h 30 min
